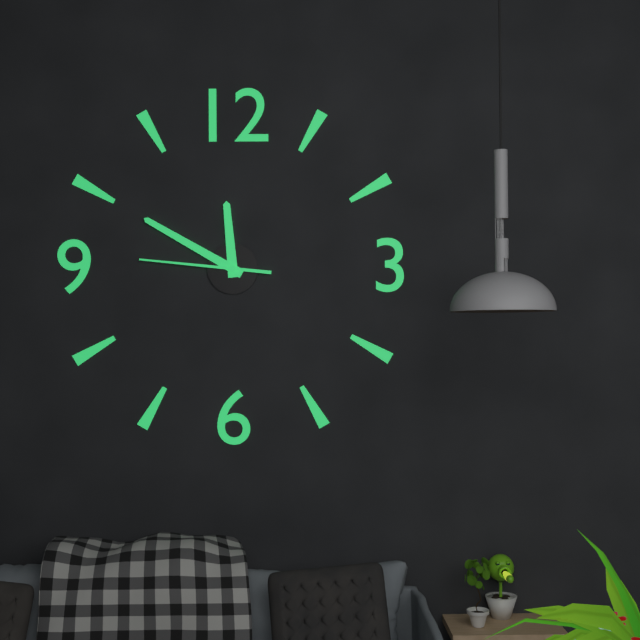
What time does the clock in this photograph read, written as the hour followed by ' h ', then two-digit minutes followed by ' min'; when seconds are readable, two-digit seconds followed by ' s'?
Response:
11 h 50 min 46 s
